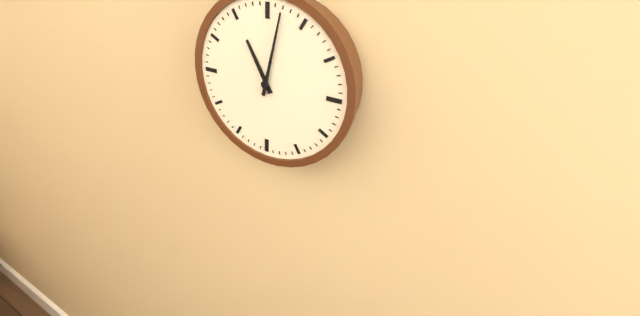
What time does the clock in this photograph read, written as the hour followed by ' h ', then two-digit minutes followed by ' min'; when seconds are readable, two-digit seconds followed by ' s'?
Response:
11 h 02 min
